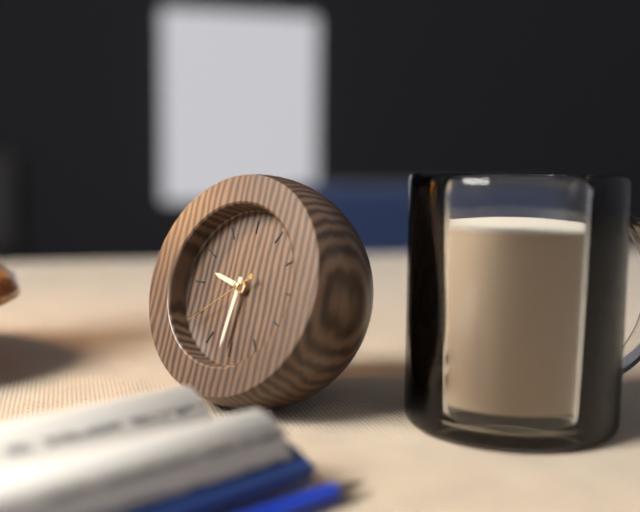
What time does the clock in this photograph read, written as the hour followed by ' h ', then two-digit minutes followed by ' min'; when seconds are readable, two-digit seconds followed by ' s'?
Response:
9 h 31 min 39 s
